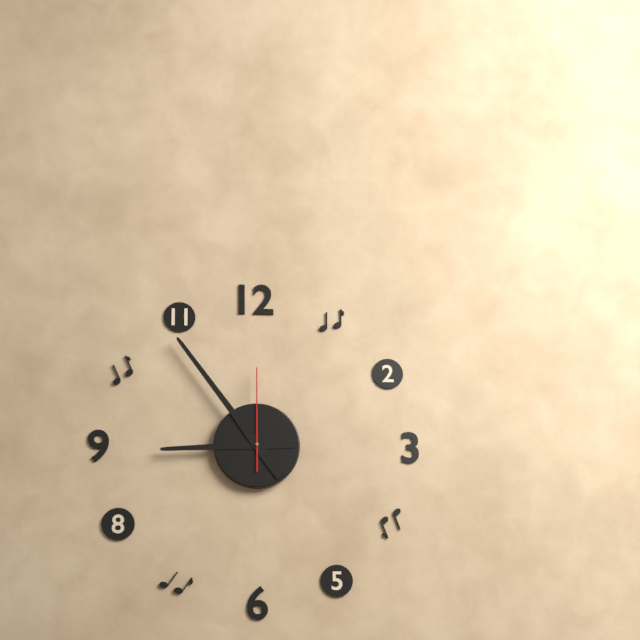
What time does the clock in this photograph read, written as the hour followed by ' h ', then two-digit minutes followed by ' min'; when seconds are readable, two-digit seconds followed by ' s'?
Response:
8 h 54 min 00 s
